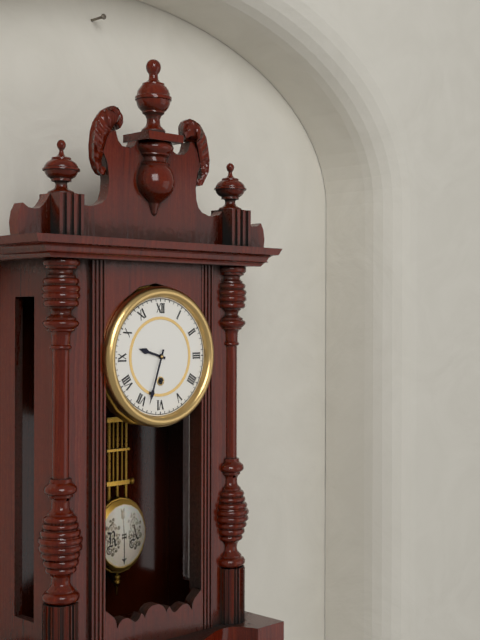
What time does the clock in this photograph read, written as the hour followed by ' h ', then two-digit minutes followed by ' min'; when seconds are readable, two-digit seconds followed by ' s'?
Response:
9 h 33 min
